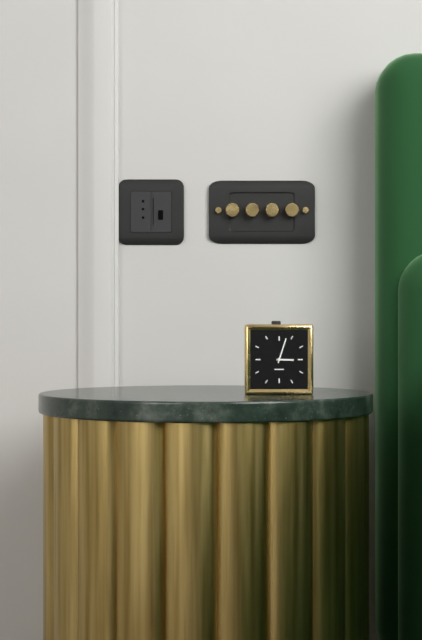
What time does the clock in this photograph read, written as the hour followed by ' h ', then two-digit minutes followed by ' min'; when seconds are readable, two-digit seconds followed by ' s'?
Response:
3 h 03 min
